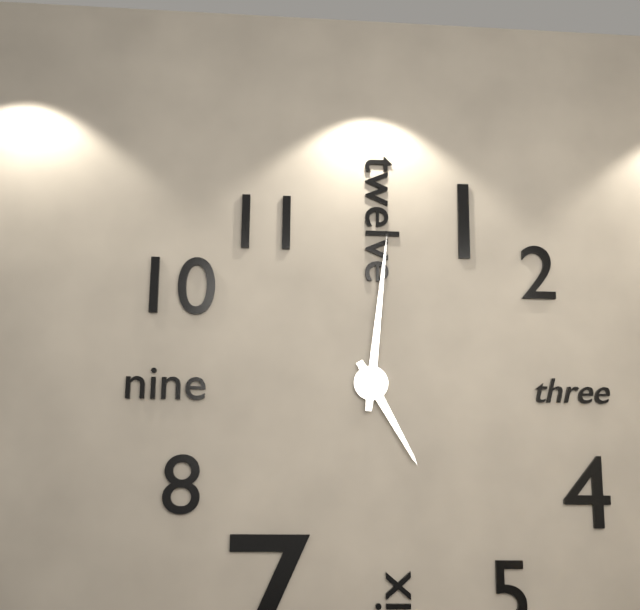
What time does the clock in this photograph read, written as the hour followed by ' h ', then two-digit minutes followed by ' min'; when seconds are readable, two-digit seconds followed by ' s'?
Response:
5 h 01 min
